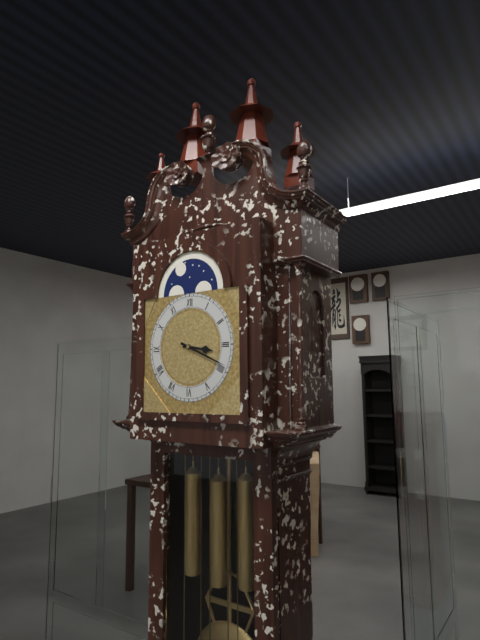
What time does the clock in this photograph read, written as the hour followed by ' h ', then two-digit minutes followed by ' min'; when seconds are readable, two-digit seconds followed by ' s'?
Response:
3 h 19 min
